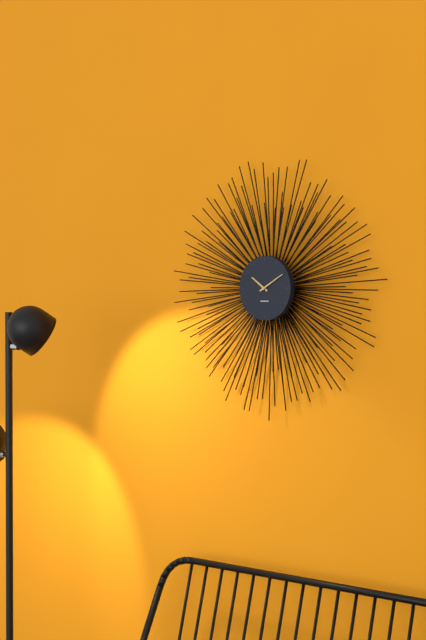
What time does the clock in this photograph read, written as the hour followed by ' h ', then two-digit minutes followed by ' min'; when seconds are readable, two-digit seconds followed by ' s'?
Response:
10 h 10 min
